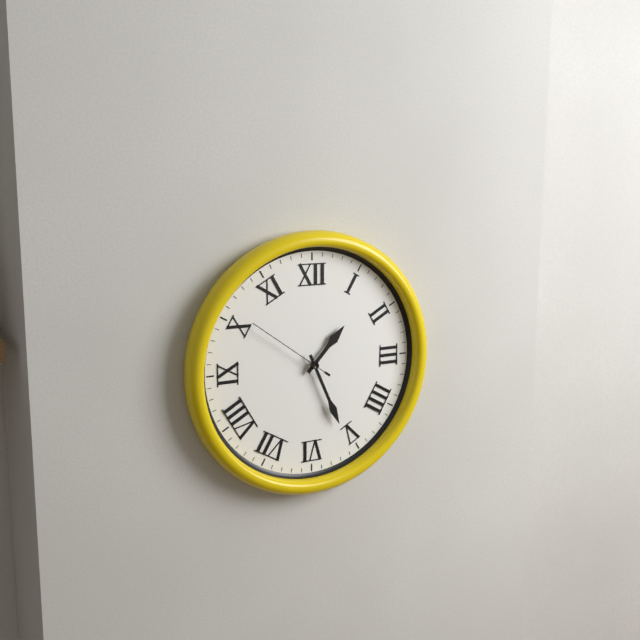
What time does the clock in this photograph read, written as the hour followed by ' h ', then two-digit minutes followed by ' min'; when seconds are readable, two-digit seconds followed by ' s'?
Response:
1 h 26 min 51 s
